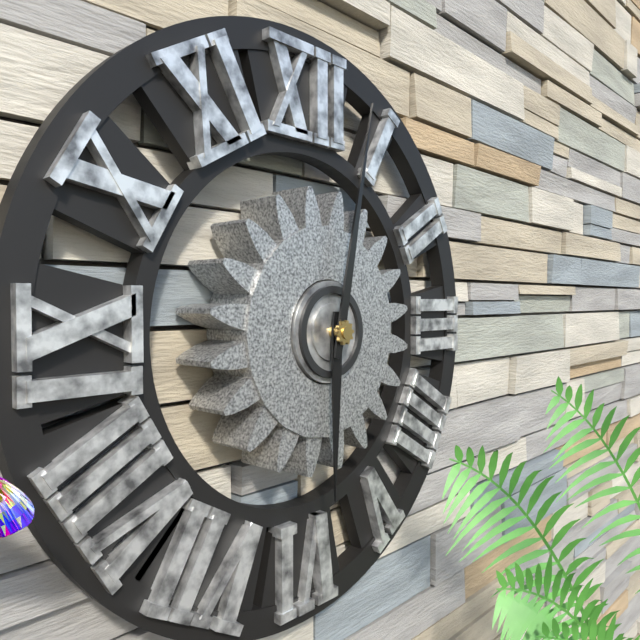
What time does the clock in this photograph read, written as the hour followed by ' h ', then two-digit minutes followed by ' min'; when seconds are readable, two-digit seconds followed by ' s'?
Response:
6 h 02 min
